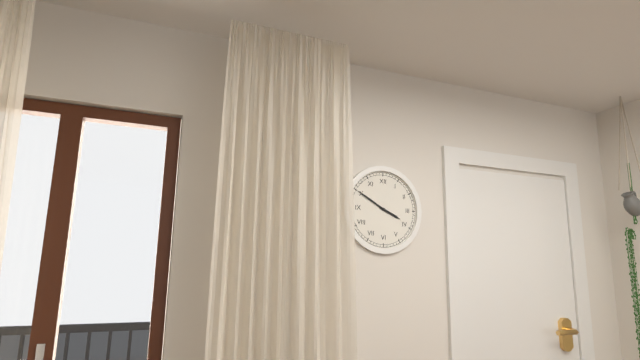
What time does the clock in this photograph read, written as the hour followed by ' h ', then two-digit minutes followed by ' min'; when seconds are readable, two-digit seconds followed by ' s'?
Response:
3 h 50 min
